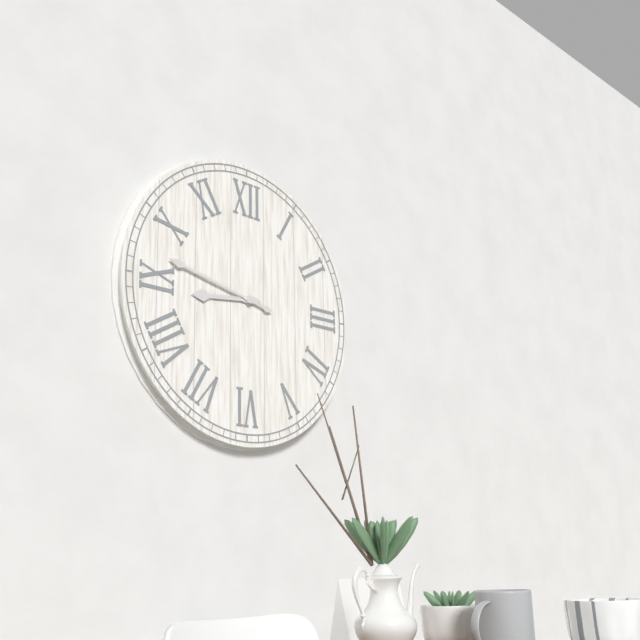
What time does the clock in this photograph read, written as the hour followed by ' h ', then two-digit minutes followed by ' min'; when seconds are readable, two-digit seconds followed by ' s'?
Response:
8 h 47 min
